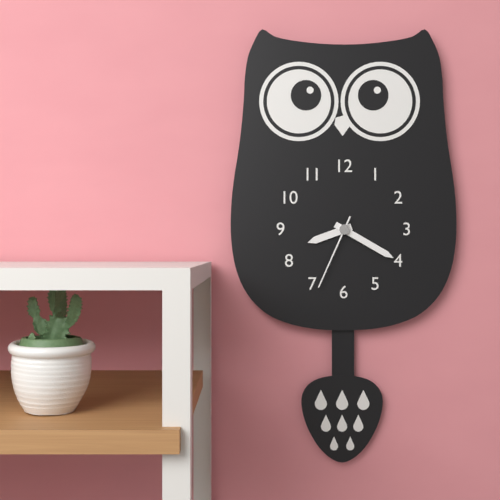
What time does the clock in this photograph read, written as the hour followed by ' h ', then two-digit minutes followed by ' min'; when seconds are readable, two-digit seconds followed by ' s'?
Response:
8 h 20 min 34 s
